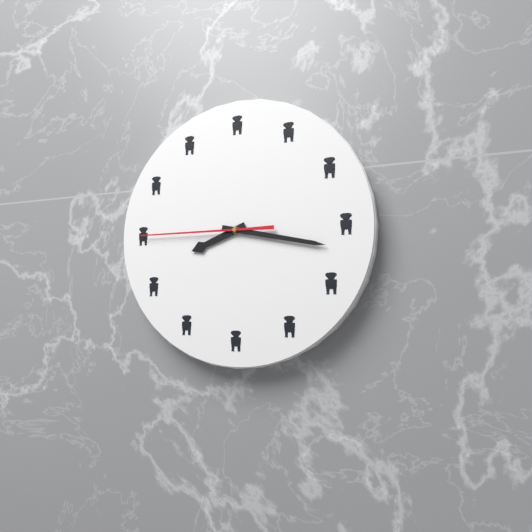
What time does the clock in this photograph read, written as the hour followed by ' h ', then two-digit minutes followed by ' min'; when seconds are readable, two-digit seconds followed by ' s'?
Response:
8 h 17 min 45 s
